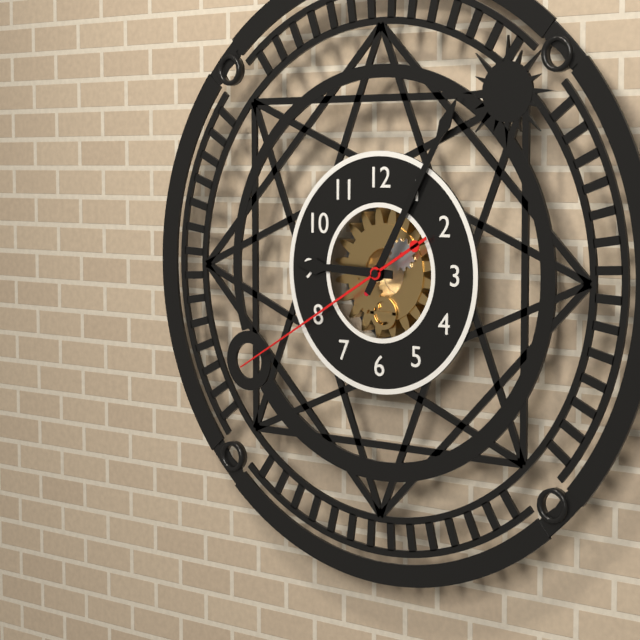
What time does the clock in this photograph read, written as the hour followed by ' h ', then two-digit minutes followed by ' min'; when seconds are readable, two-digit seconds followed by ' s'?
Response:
9 h 05 min 40 s
